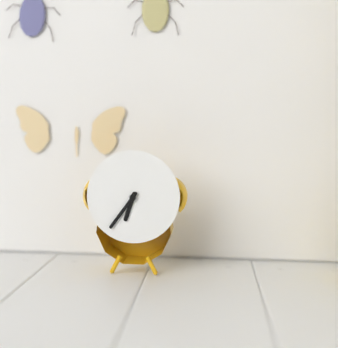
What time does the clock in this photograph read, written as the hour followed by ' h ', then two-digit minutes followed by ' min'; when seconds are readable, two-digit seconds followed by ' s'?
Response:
6 h 36 min
